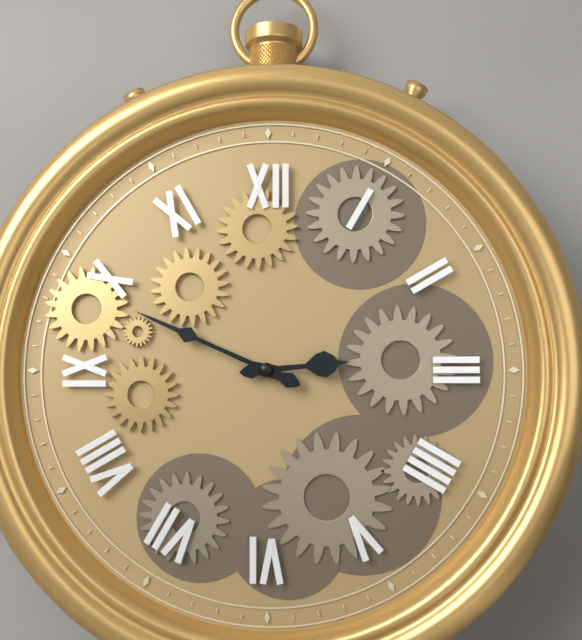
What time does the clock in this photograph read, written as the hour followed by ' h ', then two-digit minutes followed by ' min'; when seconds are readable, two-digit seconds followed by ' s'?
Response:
2 h 49 min
